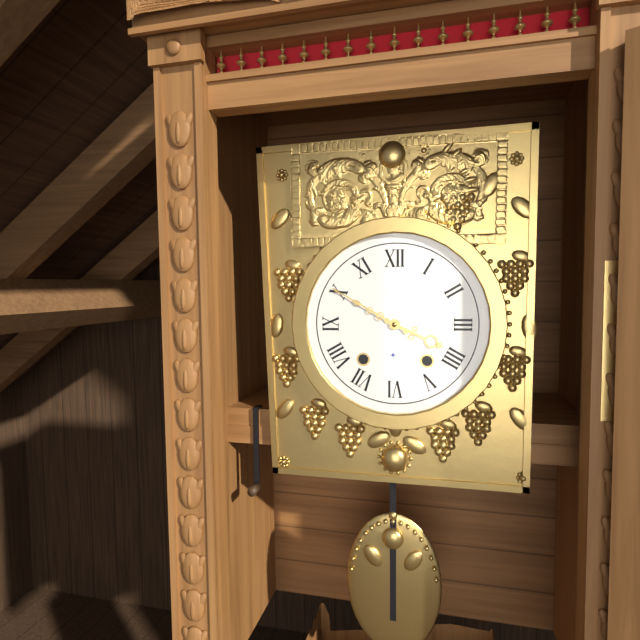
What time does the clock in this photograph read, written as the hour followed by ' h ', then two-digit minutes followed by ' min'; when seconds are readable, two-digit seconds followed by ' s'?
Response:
3 h 50 min
